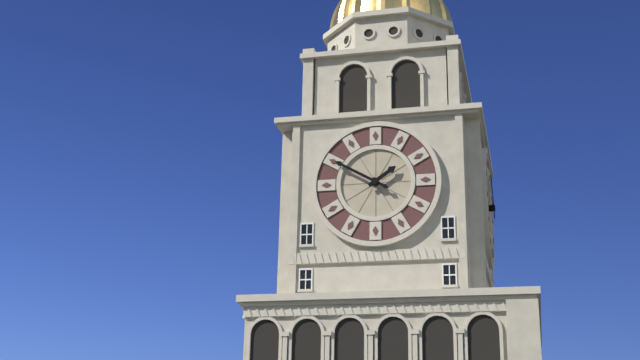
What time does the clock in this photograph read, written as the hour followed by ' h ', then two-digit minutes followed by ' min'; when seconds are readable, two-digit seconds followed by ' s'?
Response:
1 h 50 min
